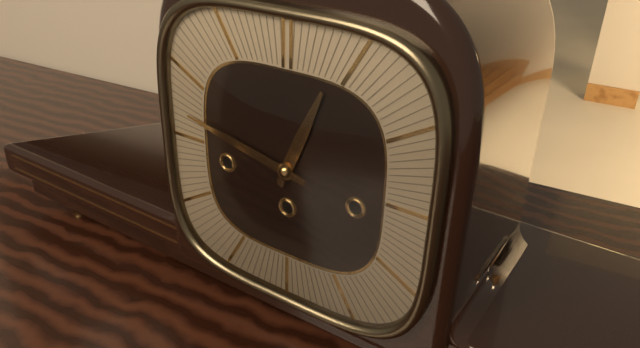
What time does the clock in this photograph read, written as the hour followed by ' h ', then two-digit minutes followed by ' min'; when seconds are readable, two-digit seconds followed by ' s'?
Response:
12 h 47 min
